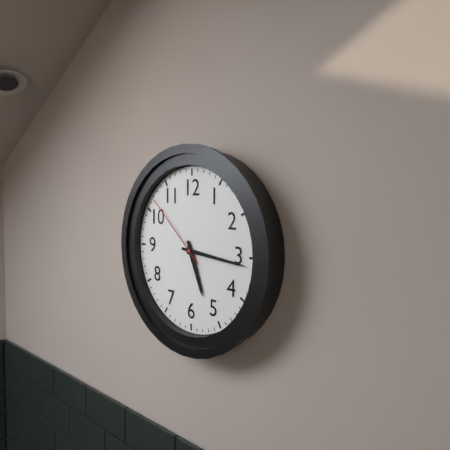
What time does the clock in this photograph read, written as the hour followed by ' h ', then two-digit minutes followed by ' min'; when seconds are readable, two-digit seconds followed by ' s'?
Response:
5 h 16 min 52 s
